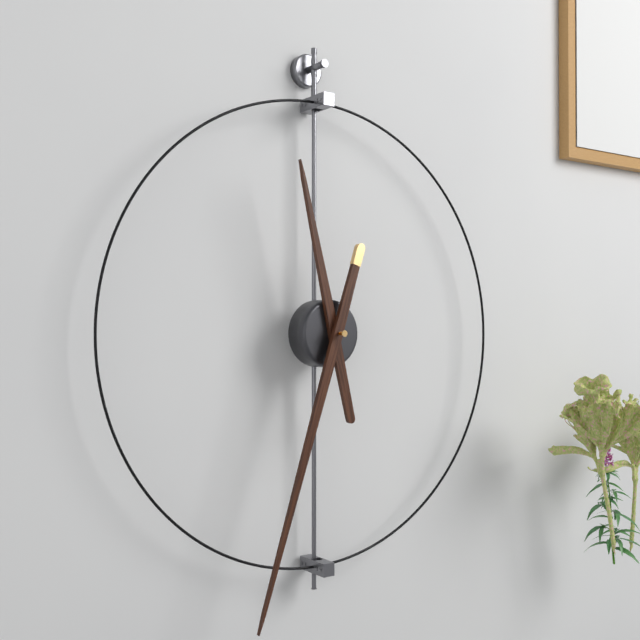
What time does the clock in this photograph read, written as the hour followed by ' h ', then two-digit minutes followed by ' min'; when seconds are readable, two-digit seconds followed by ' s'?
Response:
11 h 33 min
